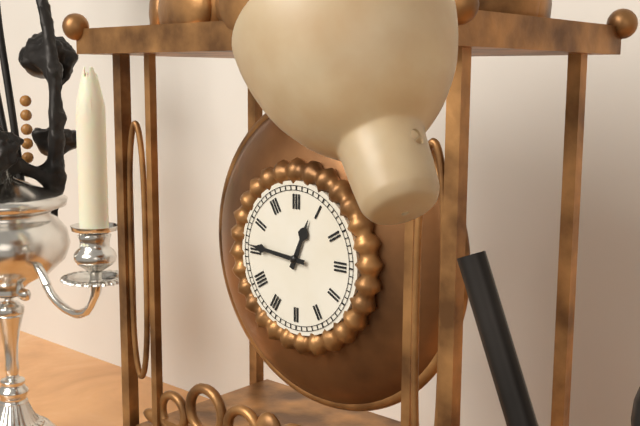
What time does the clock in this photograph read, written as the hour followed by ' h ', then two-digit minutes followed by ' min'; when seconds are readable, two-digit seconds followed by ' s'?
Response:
12 h 46 min
